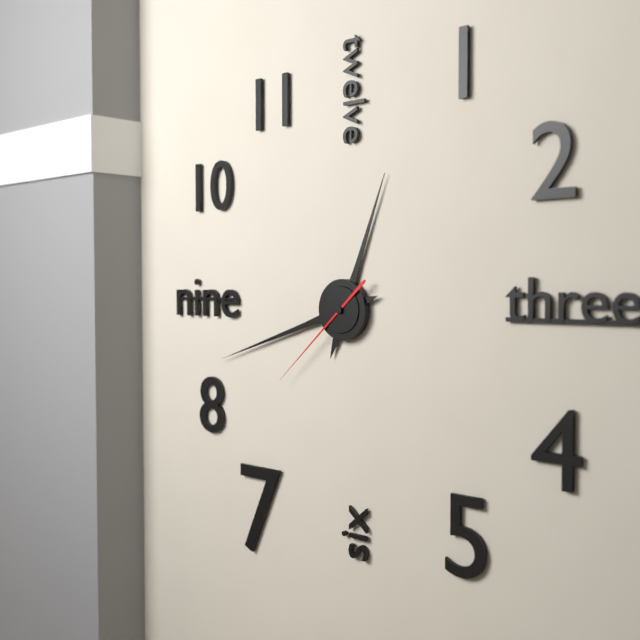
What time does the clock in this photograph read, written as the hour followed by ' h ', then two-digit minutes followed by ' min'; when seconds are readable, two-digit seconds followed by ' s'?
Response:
12 h 42 min 38 s
